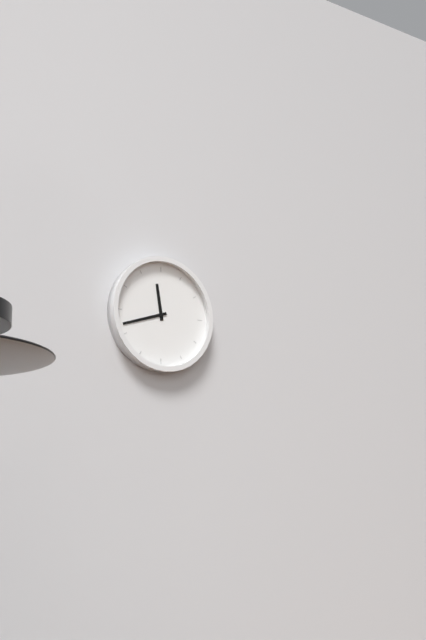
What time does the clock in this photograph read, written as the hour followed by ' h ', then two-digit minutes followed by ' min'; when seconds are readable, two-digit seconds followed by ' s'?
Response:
11 h 42 min
